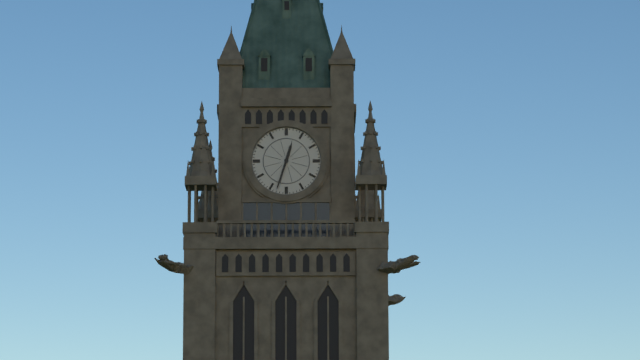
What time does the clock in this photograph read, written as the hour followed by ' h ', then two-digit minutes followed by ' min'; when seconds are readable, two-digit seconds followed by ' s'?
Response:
12 h 33 min
